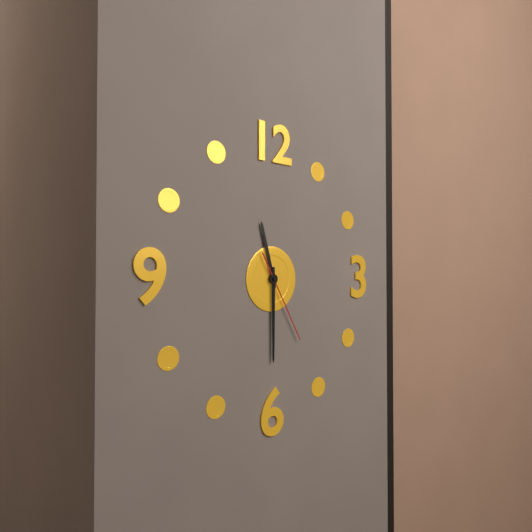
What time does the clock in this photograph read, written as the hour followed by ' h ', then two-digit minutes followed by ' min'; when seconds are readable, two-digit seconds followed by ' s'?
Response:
11 h 30 min 25 s
